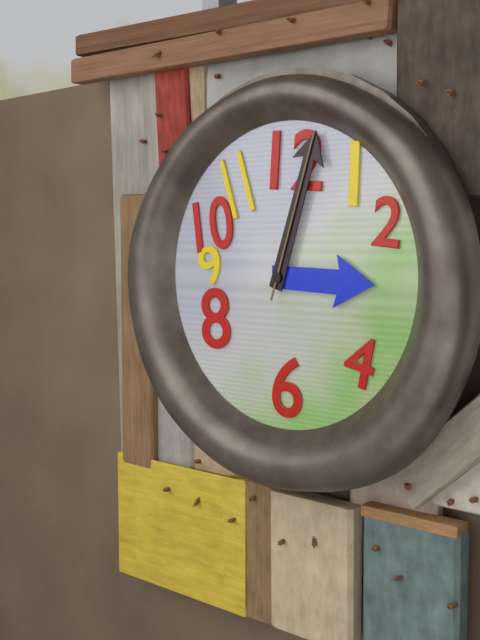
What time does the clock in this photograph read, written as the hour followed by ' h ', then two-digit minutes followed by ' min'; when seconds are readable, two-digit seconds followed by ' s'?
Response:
3 h 03 min 03 s
